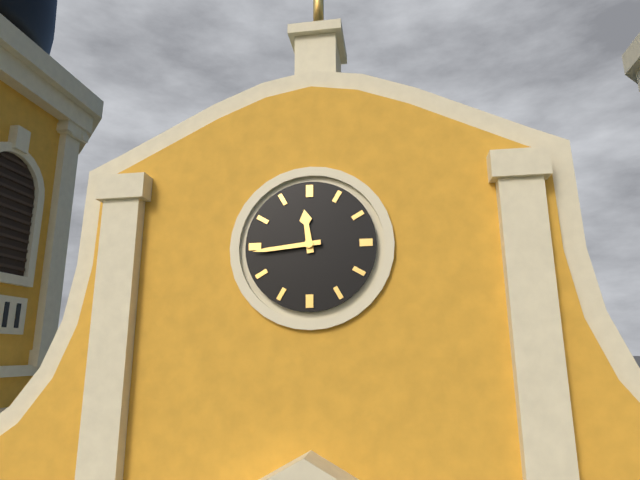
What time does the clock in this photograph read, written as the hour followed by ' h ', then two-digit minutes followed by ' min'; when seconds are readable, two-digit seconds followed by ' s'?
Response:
11 h 44 min
